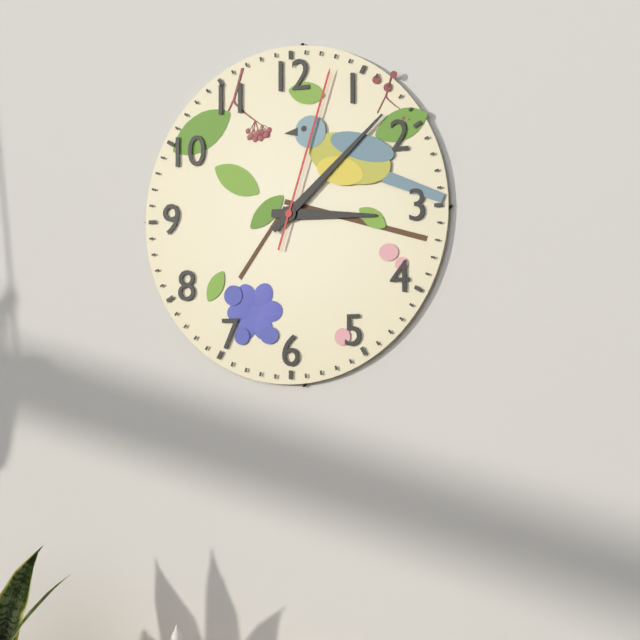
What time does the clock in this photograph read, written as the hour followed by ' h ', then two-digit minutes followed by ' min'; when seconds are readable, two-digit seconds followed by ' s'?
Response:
3 h 08 min 03 s
